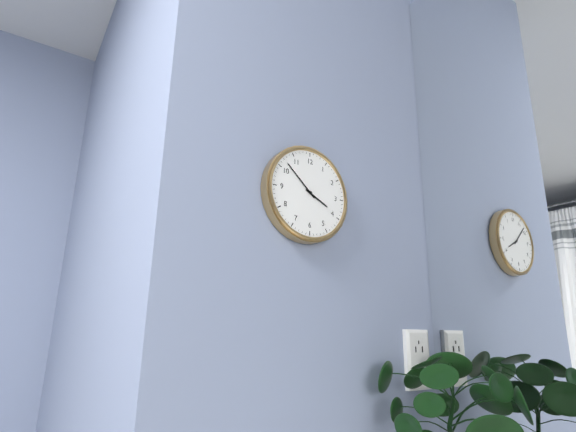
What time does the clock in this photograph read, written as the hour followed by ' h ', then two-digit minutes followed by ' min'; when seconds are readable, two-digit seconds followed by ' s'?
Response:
3 h 52 min
